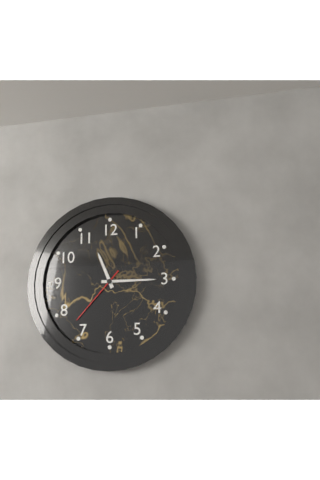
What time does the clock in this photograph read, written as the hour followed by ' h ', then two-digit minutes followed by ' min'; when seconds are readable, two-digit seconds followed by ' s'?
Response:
11 h 15 min 37 s
